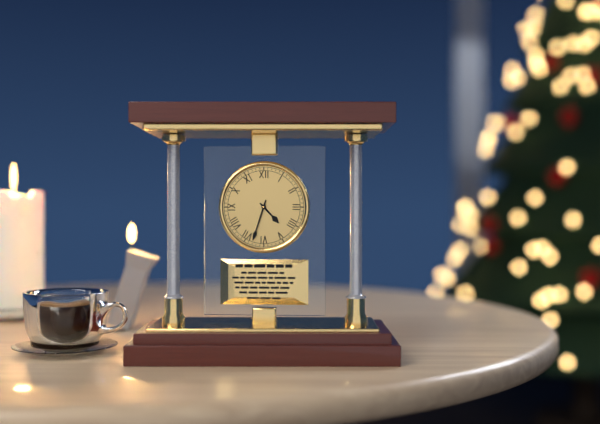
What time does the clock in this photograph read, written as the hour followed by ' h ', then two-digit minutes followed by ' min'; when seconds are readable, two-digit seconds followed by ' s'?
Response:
4 h 33 min
